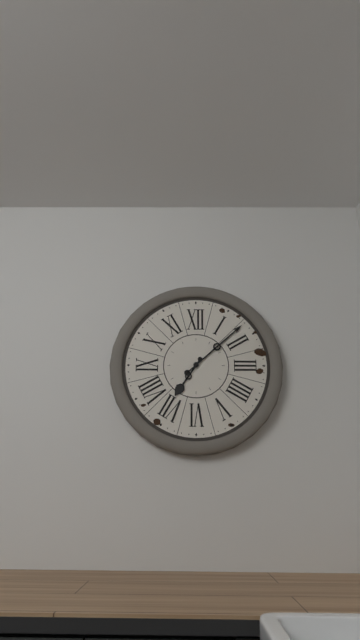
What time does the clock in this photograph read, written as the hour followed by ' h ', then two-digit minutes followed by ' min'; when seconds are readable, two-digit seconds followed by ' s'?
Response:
7 h 08 min
